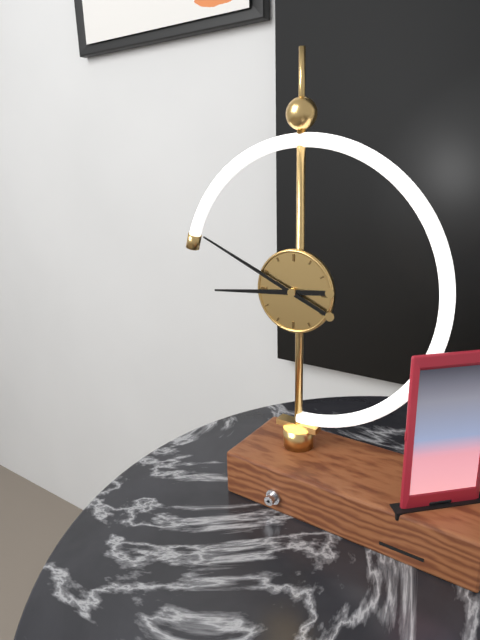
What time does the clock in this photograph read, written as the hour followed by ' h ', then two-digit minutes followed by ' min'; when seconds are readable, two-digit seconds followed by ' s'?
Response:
8 h 49 min
